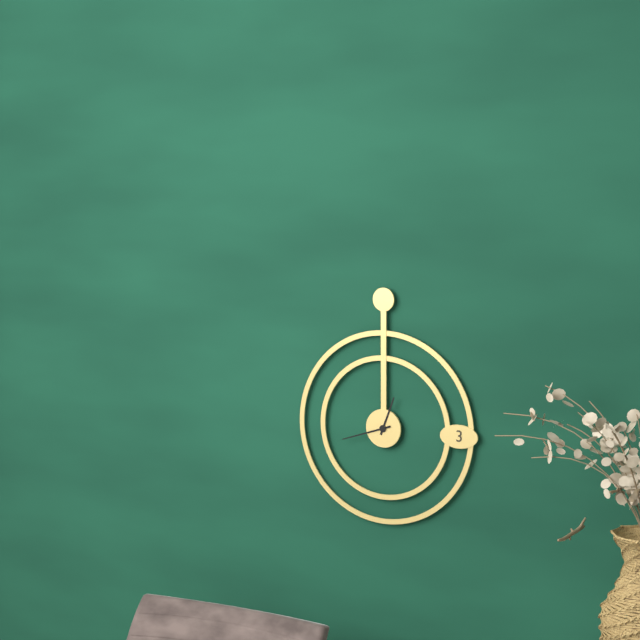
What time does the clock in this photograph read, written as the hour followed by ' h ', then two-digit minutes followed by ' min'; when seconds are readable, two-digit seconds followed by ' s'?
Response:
12 h 42 min
